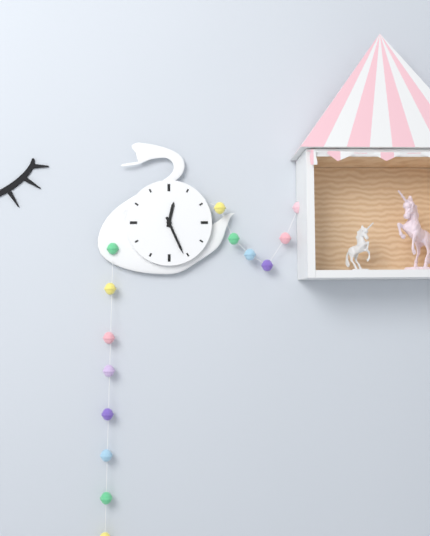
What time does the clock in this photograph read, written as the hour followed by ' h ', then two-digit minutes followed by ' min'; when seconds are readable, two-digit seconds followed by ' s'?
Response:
12 h 26 min
